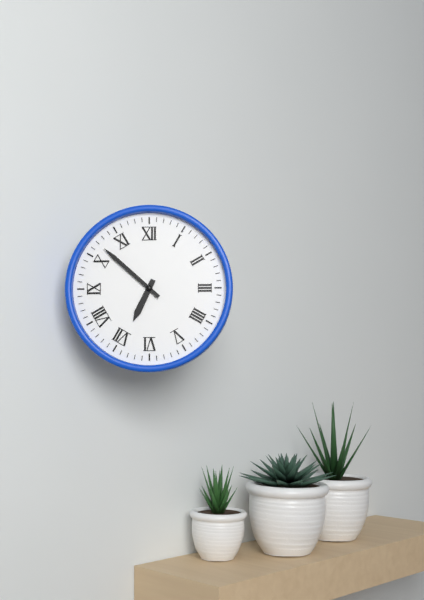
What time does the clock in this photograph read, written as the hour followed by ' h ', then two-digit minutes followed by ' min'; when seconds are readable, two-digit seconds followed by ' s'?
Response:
6 h 52 min
